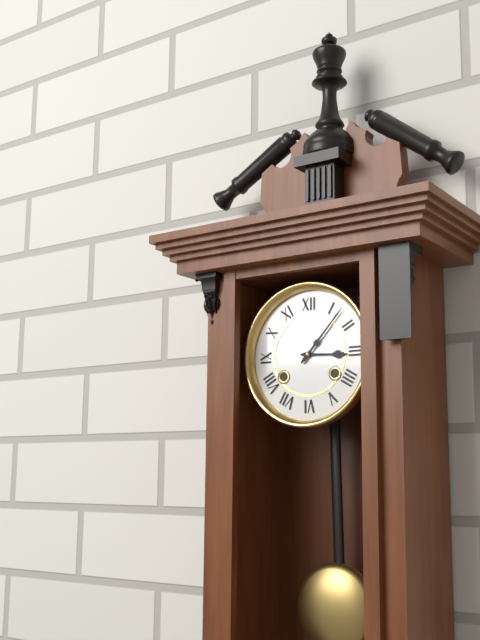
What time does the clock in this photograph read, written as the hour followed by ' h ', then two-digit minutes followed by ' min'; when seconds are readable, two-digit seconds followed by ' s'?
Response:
3 h 07 min
